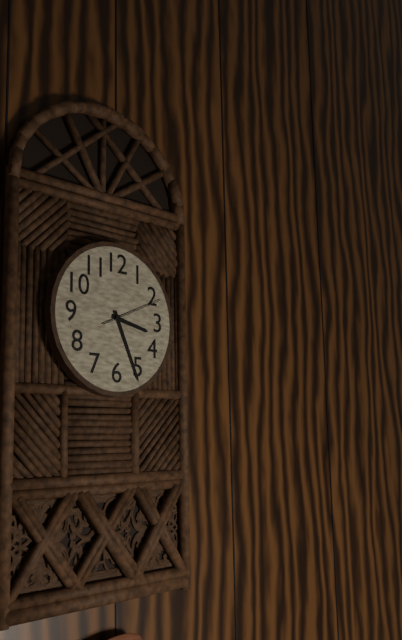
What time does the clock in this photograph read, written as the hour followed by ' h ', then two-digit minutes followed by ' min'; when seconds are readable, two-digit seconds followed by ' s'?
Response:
3 h 26 min 11 s
